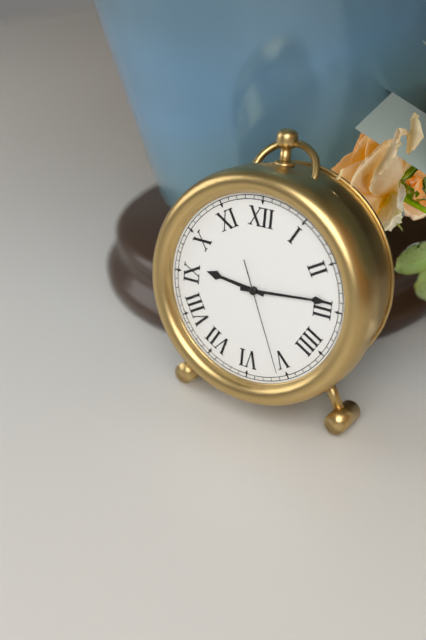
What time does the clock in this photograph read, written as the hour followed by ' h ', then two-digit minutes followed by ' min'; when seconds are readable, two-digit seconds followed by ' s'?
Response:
9 h 14 min 26 s
